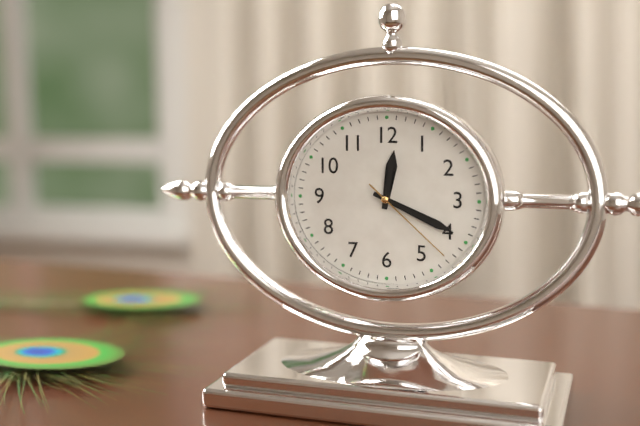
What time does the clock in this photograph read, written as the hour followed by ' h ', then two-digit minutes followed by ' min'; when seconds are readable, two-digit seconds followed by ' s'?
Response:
12 h 19 min 22 s
